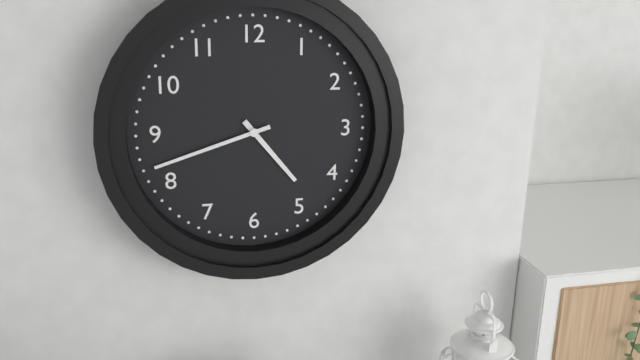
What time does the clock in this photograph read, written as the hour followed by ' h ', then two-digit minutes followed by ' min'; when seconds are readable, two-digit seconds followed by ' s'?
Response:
4 h 42 min
